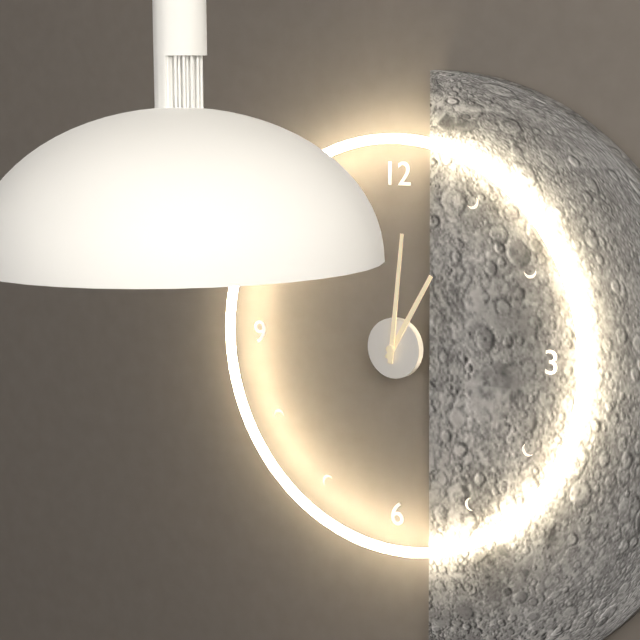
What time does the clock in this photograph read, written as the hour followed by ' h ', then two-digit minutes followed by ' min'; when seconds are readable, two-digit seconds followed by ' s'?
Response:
1 h 01 min
